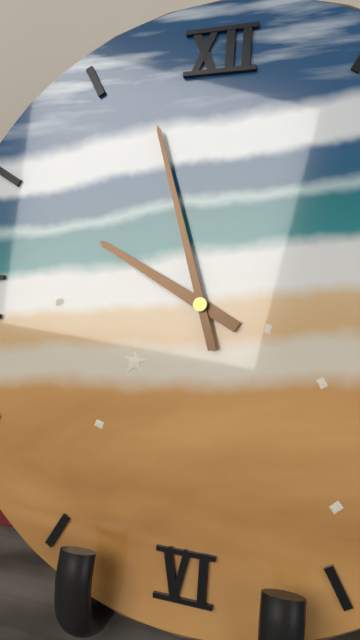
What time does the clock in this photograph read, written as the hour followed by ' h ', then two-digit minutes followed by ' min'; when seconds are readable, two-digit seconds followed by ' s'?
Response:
9 h 57 min
